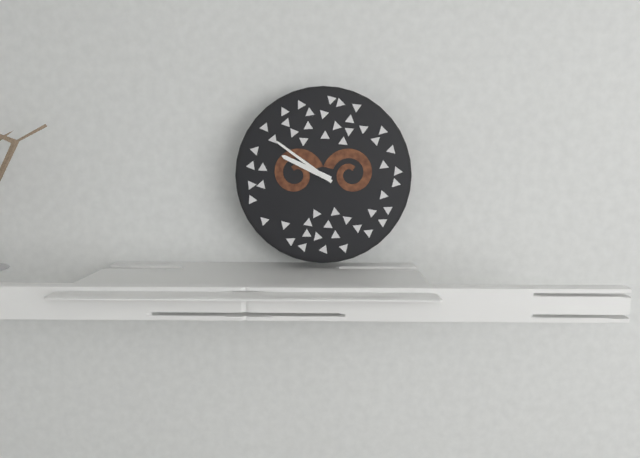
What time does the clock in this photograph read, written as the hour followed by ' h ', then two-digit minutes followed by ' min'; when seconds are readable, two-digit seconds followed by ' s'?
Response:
9 h 51 min
